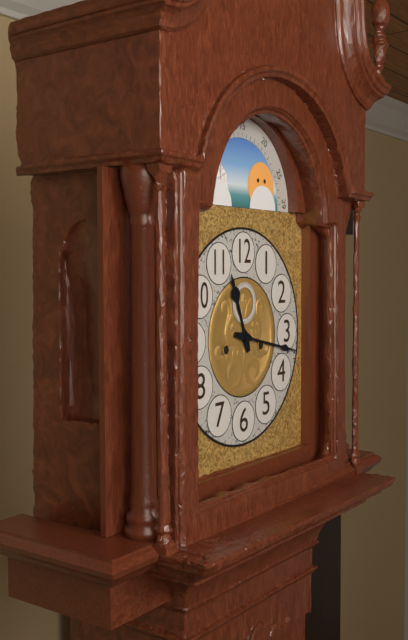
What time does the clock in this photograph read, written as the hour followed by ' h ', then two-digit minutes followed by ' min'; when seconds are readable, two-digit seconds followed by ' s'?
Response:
11 h 17 min
